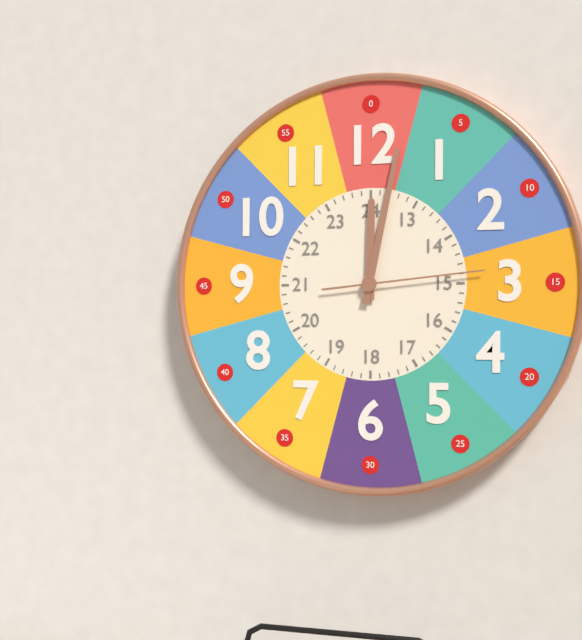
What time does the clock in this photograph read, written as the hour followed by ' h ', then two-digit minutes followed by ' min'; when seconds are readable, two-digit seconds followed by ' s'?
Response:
12 h 02 min 14 s
